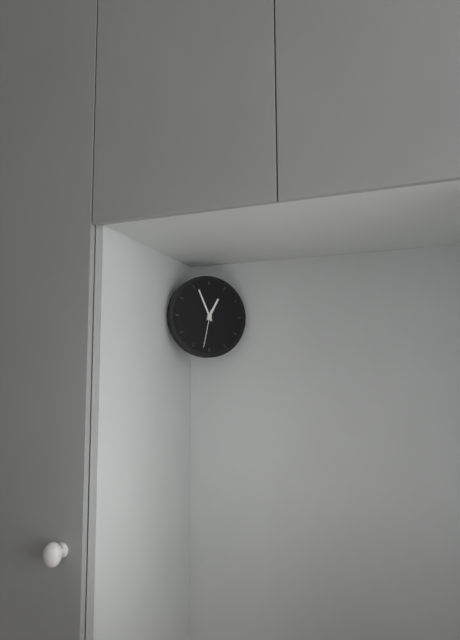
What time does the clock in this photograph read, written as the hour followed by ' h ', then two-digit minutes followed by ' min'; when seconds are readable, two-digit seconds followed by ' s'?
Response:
12 h 56 min
